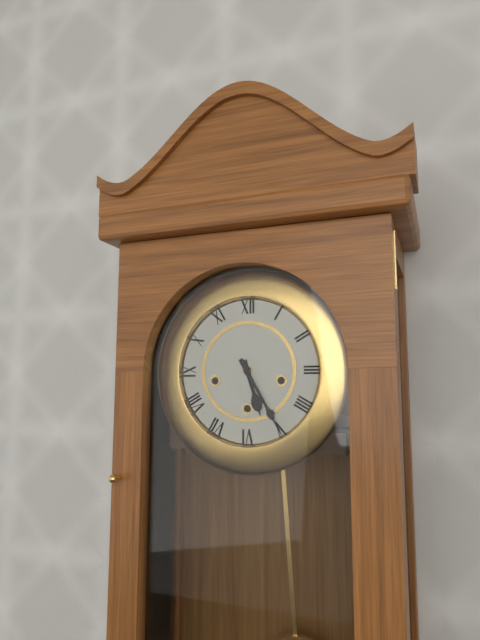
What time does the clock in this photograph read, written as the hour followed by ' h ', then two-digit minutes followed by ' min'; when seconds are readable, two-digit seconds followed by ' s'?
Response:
5 h 25 min
